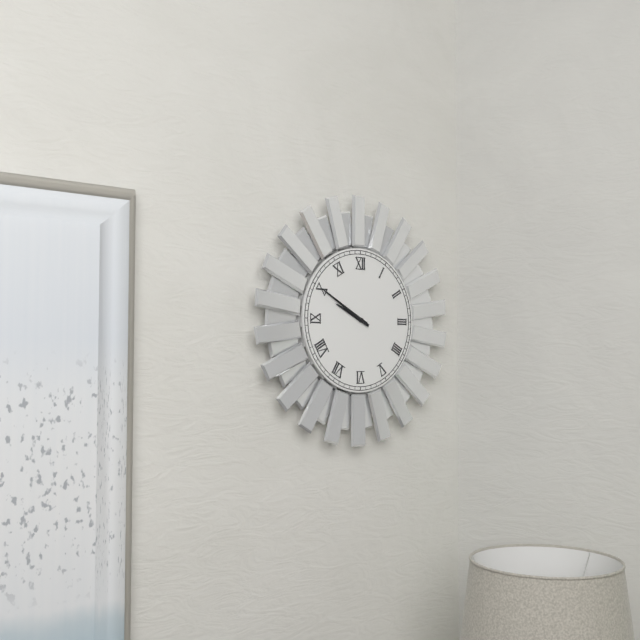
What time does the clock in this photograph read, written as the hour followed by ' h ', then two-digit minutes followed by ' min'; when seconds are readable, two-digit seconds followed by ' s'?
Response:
9 h 50 min
